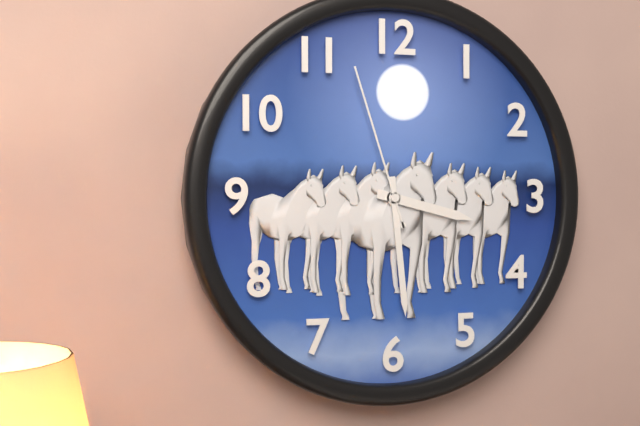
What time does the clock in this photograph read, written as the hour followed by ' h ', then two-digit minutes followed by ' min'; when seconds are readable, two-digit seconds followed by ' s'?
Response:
3 h 29 min 57 s
